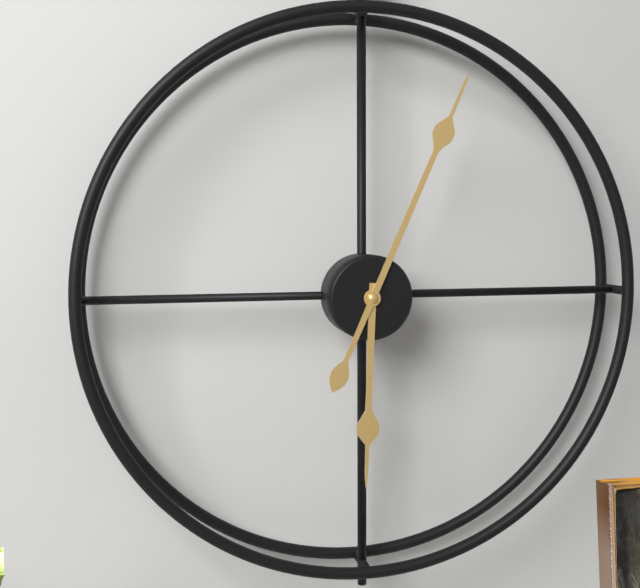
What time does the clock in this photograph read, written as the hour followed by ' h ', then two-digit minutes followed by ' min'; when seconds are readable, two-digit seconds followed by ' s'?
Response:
6 h 04 min
